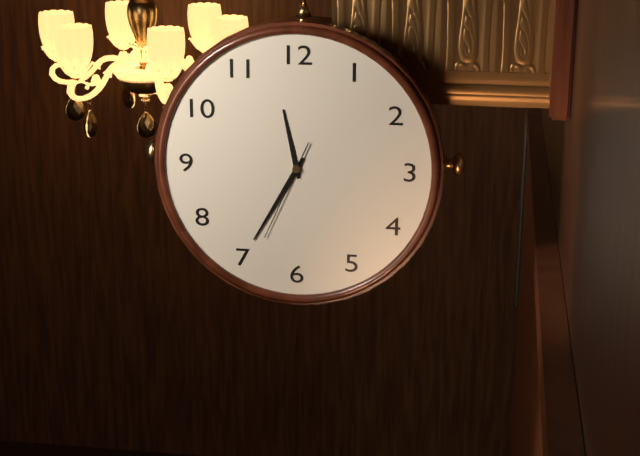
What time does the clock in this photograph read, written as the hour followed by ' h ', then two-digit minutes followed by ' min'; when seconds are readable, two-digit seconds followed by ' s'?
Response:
11 h 35 min 34 s
